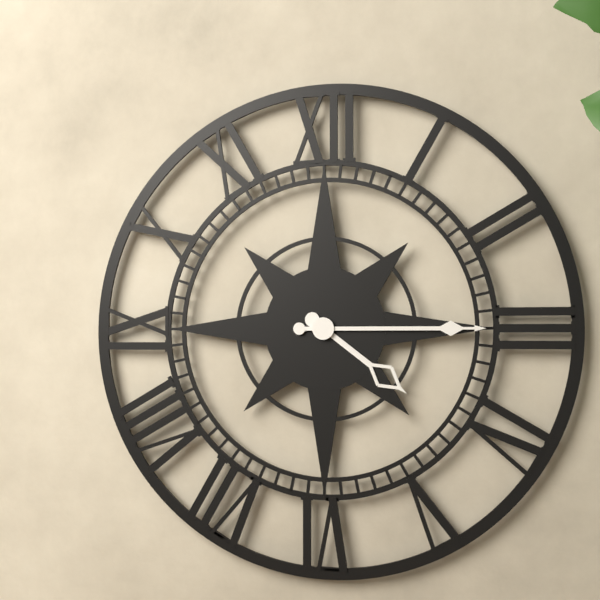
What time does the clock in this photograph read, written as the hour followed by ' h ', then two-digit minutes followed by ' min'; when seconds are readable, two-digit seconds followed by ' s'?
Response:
4 h 15 min
